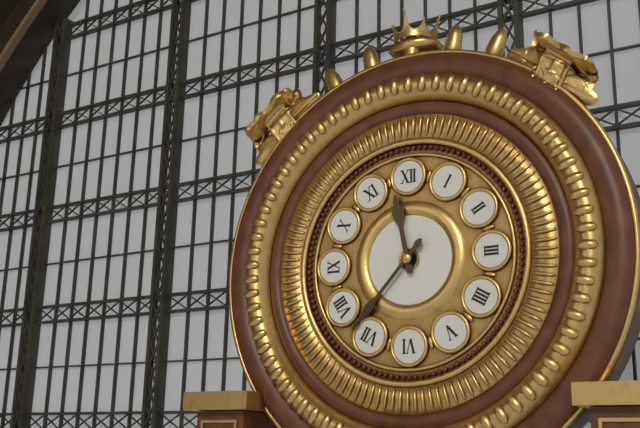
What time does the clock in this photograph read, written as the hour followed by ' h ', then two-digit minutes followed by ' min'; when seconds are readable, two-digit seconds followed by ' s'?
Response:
11 h 37 min
